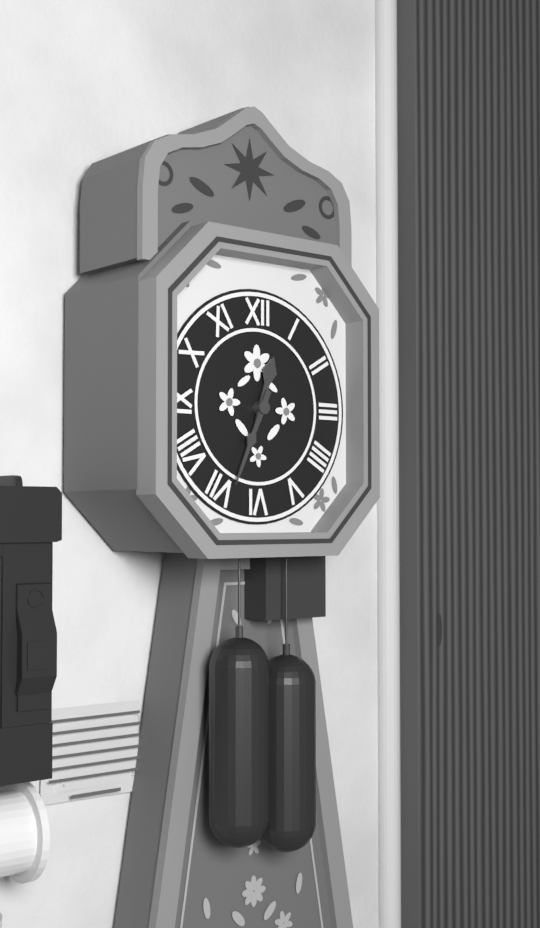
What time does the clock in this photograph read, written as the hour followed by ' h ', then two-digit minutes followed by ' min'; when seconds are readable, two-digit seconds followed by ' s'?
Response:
12 h 34 min
